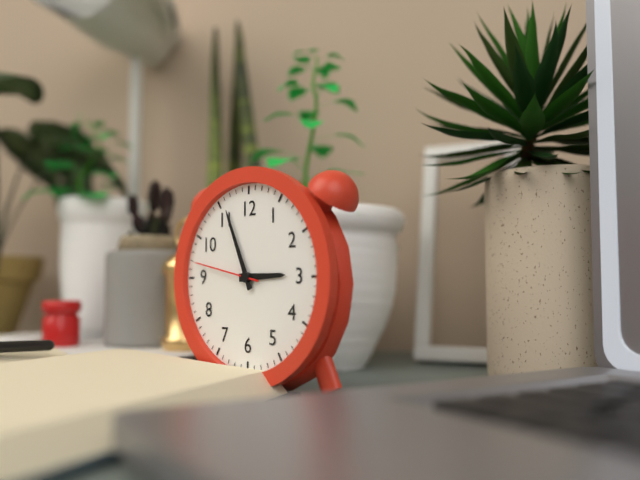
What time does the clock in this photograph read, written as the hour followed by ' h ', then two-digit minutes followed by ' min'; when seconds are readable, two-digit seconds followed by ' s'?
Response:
2 h 56 min 47 s
